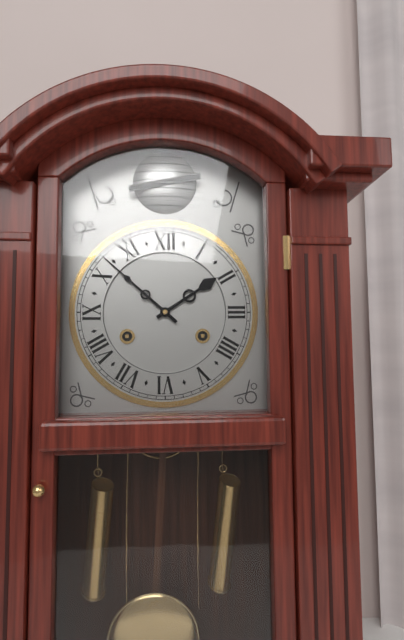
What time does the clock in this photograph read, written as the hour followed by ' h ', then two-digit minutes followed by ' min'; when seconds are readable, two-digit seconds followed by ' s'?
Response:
1 h 52 min
